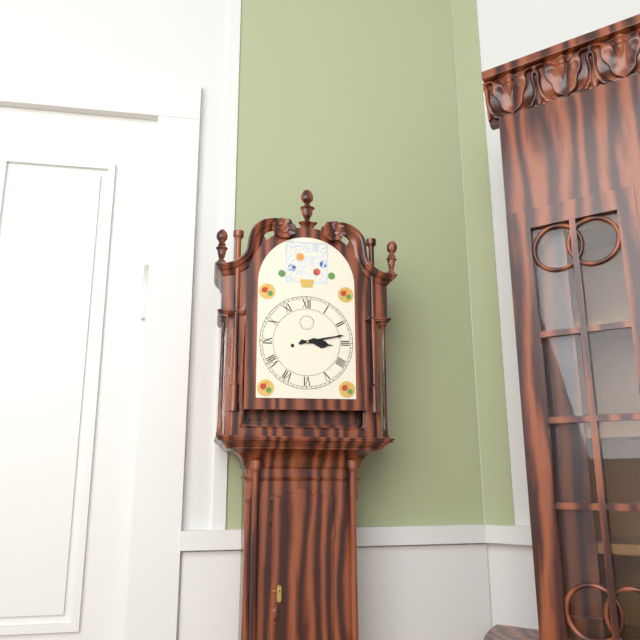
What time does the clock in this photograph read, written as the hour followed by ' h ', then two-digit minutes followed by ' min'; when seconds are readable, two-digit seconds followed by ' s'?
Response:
3 h 13 min
